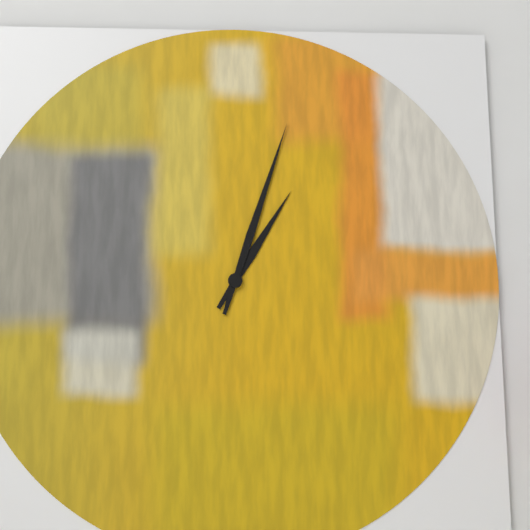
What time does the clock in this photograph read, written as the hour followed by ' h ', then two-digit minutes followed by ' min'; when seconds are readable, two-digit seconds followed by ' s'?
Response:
1 h 03 min
